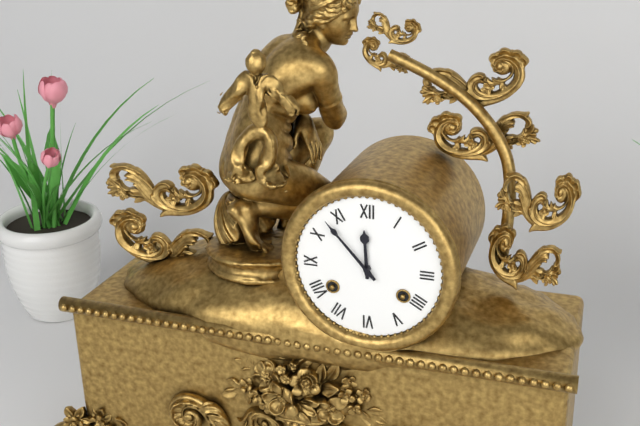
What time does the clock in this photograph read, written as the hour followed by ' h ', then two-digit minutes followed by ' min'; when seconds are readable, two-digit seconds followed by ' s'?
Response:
11 h 53 min
